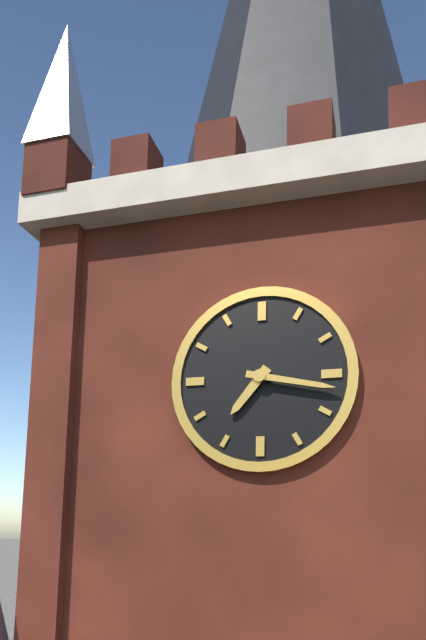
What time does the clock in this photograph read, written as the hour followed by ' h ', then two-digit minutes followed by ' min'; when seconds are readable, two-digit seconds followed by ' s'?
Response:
7 h 17 min
